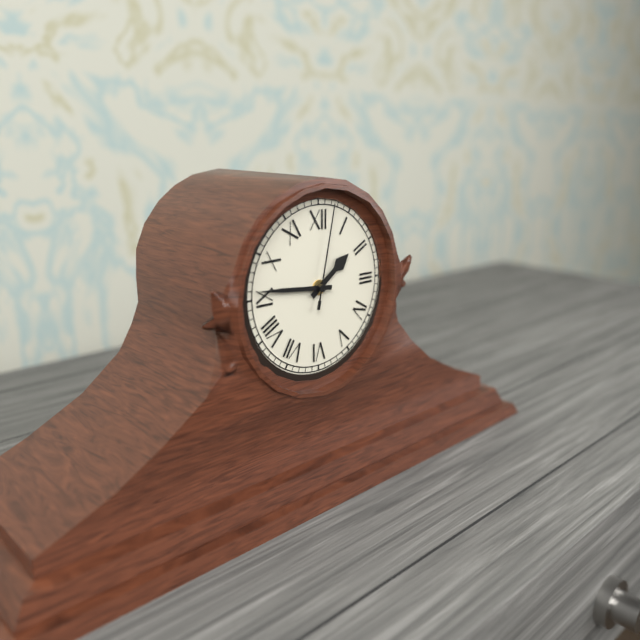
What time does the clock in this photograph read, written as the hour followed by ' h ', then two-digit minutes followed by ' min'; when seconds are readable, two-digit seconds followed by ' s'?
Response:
1 h 46 min 02 s
